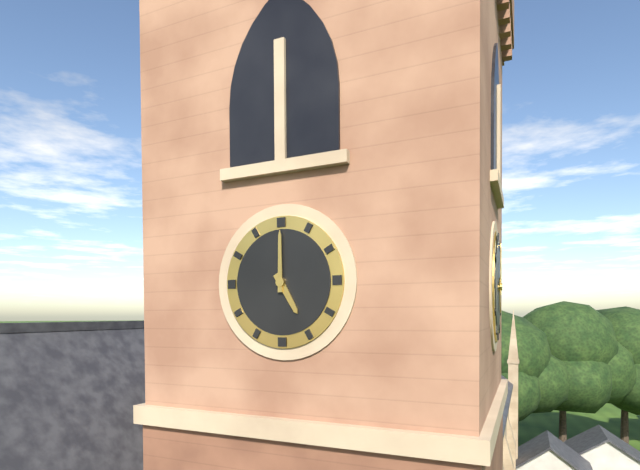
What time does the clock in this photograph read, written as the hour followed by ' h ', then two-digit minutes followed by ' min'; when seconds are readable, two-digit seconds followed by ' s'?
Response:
5 h 00 min
